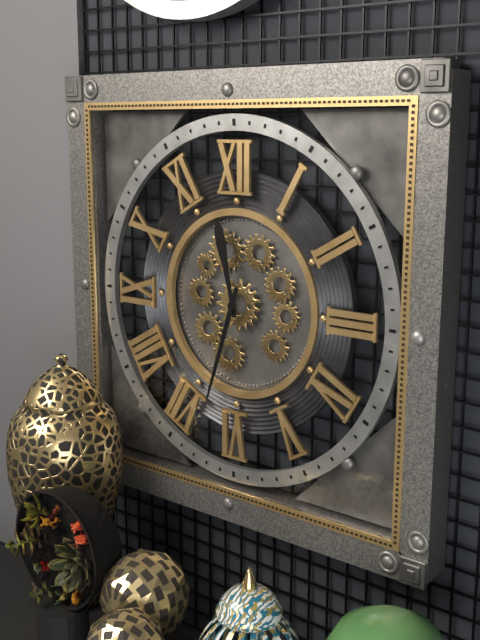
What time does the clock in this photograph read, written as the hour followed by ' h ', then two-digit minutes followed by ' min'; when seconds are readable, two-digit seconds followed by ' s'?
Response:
11 h 33 min
